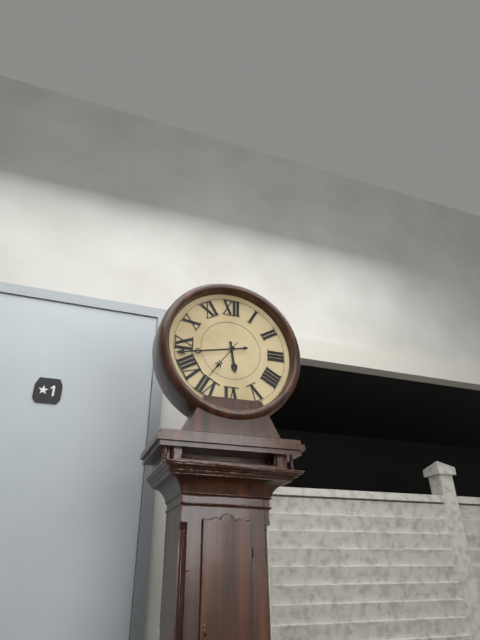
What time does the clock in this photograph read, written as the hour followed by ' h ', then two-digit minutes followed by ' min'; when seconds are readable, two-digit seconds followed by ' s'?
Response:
5 h 43 min
